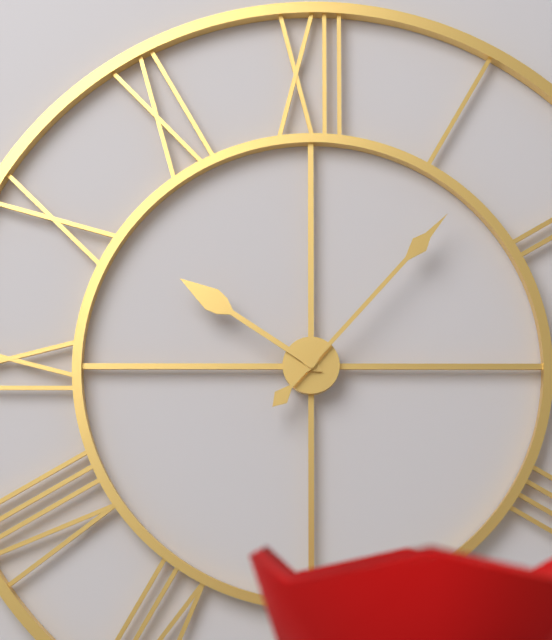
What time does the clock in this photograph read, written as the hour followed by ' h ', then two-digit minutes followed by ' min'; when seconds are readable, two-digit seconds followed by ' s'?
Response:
10 h 07 min
